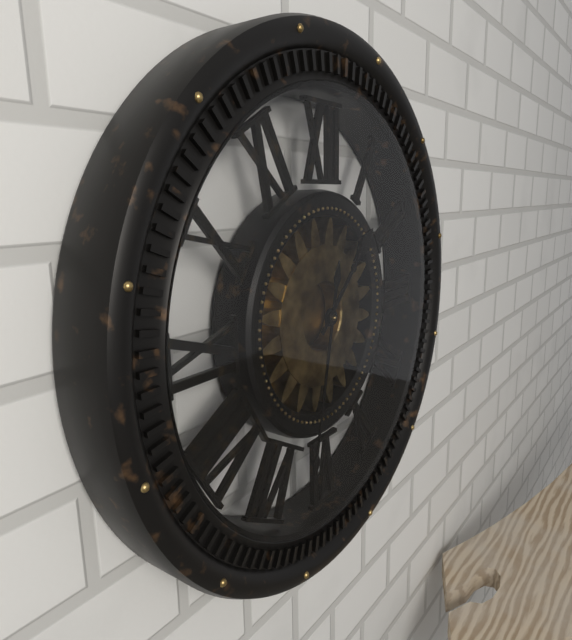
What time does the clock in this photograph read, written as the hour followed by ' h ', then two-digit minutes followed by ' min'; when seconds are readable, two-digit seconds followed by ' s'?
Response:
1 h 32 min
